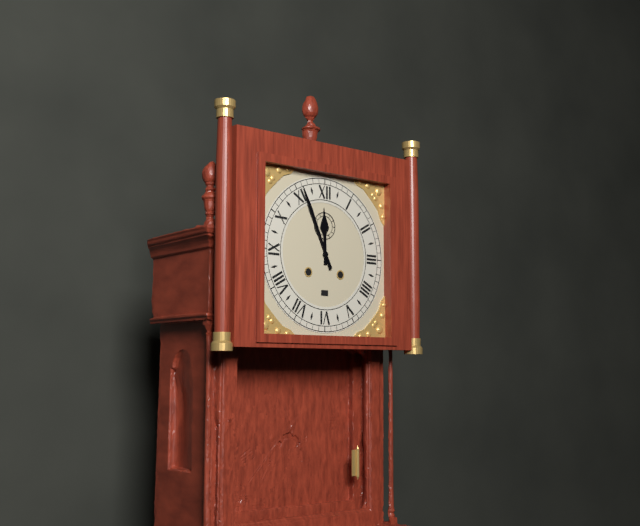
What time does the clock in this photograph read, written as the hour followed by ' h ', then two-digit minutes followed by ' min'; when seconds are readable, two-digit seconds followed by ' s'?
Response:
11 h 56 min
